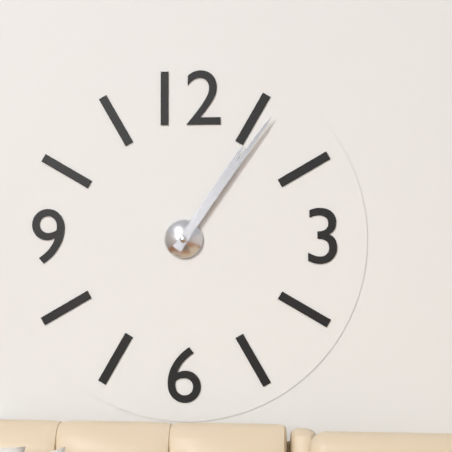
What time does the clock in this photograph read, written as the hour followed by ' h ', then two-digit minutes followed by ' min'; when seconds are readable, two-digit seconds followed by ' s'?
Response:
1 h 06 min
